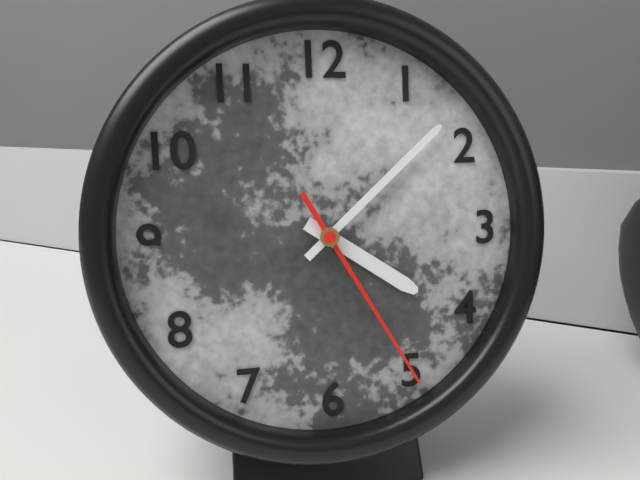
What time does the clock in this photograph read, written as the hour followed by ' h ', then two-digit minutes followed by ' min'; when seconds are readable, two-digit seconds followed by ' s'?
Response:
4 h 08 min 25 s
